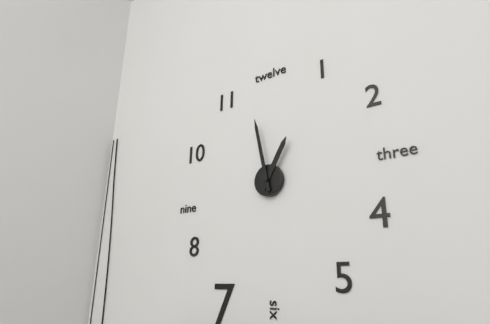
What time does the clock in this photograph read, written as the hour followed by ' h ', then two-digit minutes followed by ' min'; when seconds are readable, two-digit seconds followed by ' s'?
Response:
12 h 58 min
